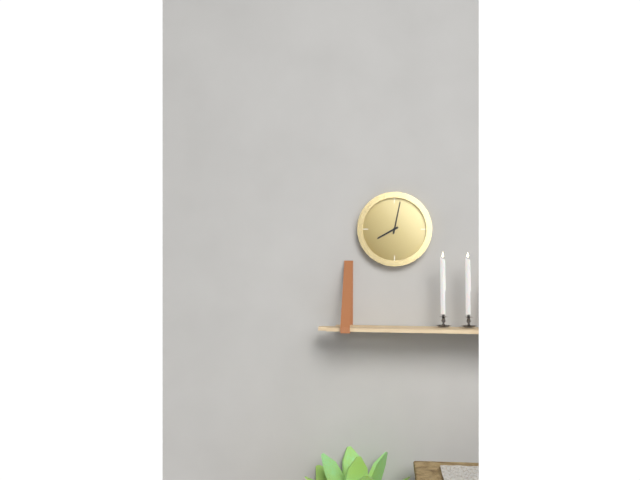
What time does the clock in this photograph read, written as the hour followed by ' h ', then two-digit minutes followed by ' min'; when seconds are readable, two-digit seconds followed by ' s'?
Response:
8 h 02 min
